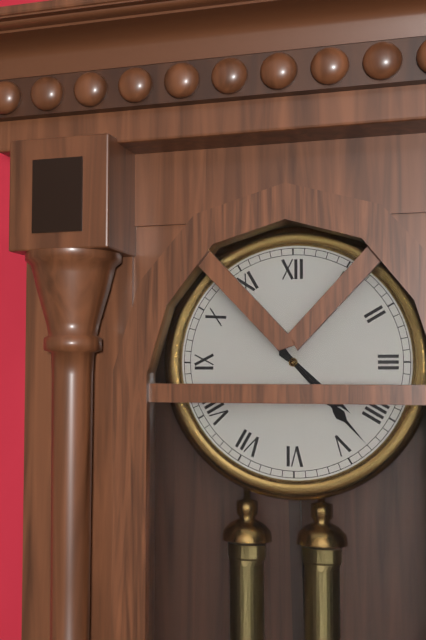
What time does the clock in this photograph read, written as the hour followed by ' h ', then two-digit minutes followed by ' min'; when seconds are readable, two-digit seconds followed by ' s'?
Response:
4 h 23 min
